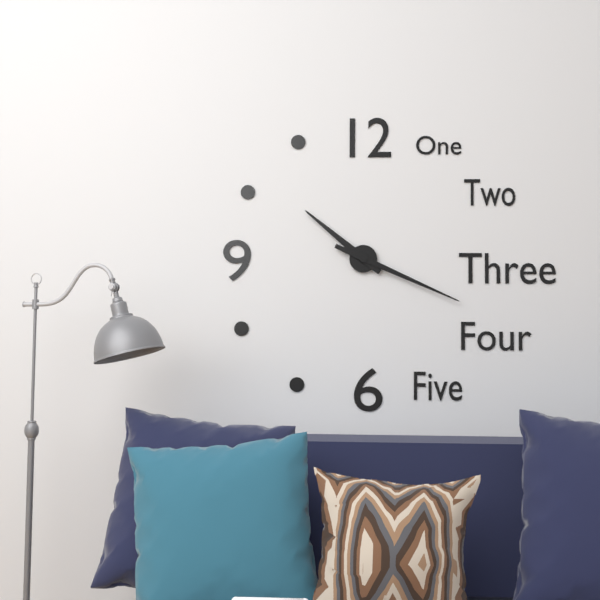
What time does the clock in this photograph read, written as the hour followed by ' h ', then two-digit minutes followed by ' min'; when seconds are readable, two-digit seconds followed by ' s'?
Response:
10 h 19 min
